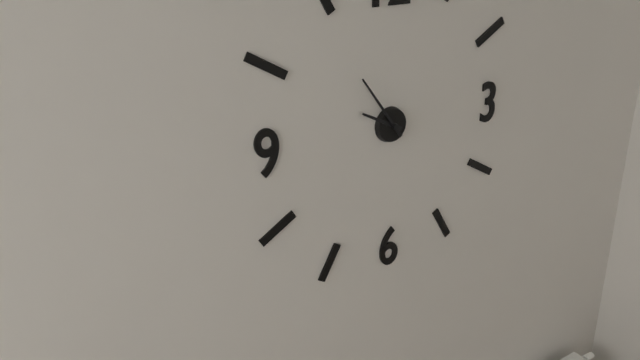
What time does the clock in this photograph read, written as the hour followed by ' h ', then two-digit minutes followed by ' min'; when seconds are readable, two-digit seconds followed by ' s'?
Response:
9 h 54 min
